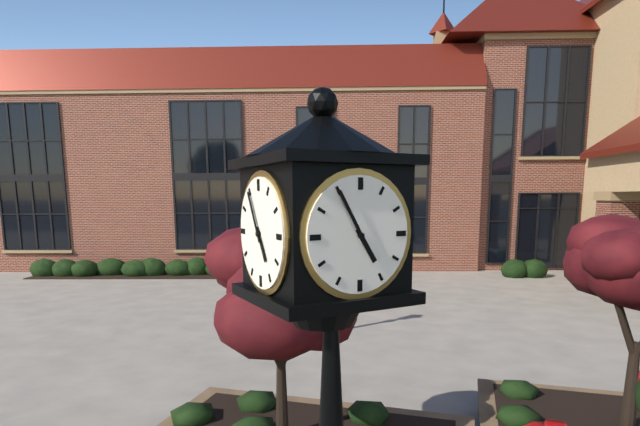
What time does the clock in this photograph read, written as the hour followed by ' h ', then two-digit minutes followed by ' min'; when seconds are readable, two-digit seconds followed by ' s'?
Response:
4 h 55 min
